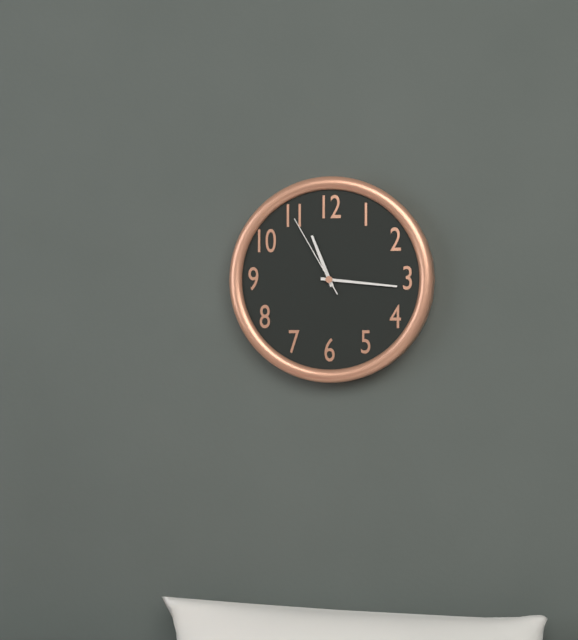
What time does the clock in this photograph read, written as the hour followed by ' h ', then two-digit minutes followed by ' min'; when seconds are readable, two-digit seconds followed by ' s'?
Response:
11 h 16 min 55 s
